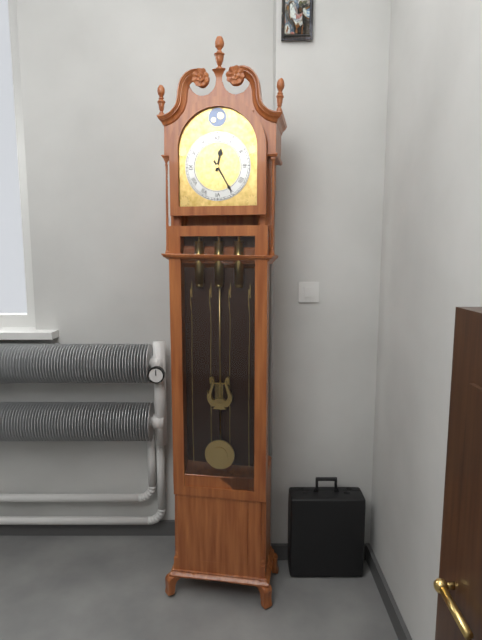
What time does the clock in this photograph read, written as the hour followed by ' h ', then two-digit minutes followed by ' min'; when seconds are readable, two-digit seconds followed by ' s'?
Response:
12 h 25 min
